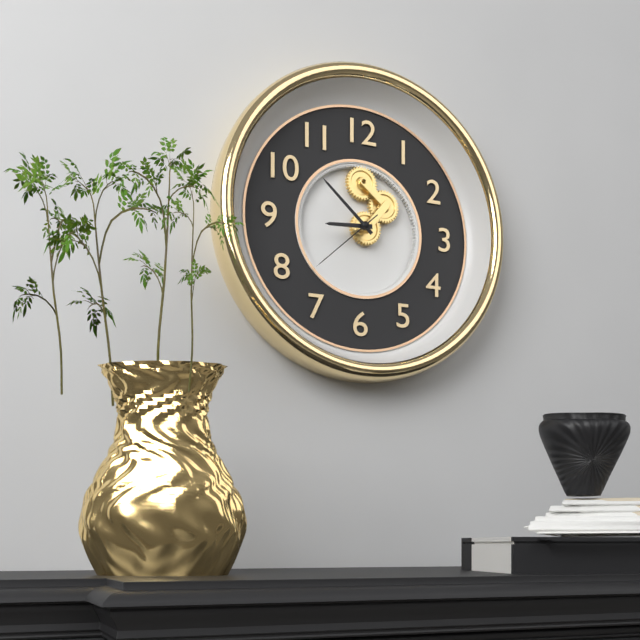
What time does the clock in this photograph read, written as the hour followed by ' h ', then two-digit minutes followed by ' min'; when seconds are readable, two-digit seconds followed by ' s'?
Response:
8 h 52 min 38 s
